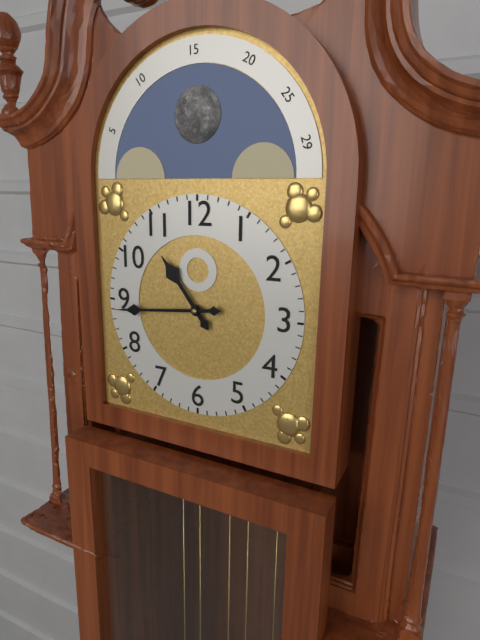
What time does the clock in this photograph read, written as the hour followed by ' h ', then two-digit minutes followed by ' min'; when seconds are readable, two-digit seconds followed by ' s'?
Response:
10 h 44 min
